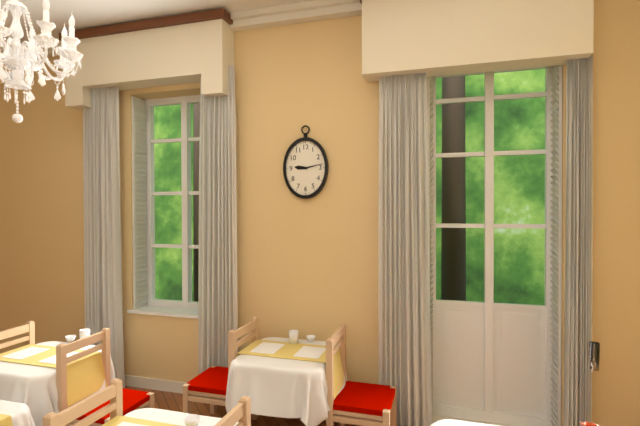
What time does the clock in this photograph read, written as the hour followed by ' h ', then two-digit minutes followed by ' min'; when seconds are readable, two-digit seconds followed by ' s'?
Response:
9 h 13 min
